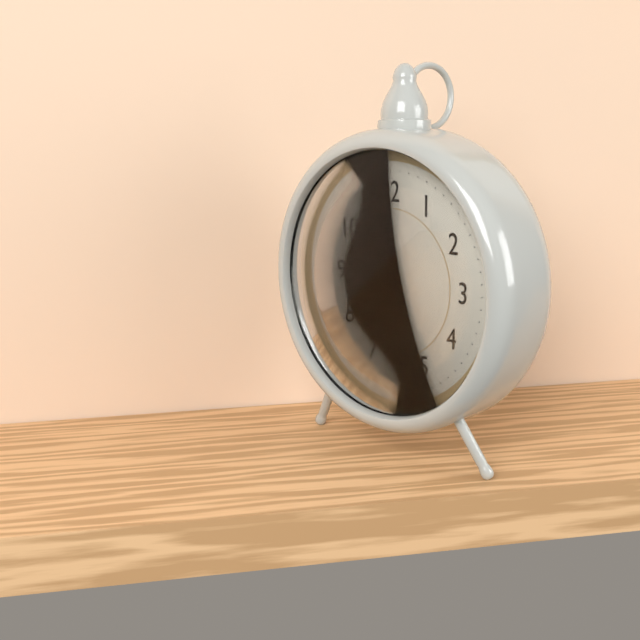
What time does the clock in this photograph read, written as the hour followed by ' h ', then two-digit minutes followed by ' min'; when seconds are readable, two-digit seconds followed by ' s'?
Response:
4 h 57 min
